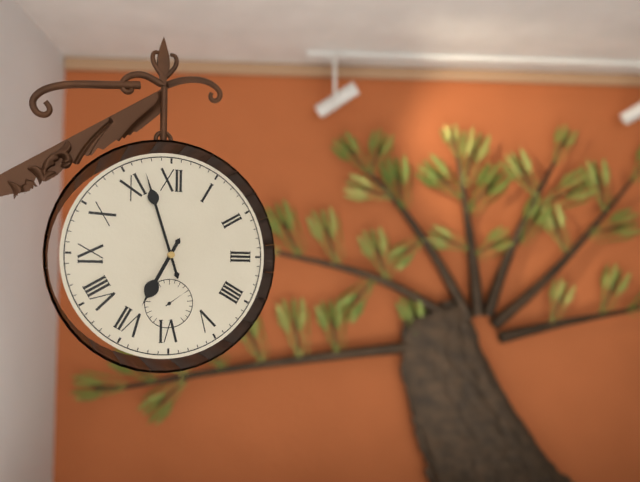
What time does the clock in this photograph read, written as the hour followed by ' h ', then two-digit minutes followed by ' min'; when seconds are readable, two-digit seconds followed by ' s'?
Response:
6 h 57 min
